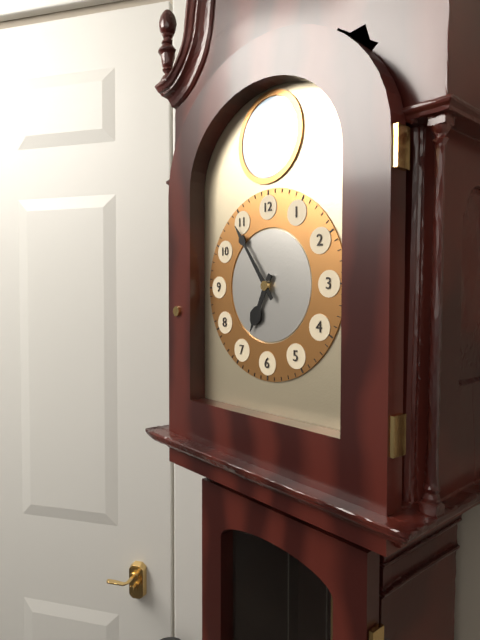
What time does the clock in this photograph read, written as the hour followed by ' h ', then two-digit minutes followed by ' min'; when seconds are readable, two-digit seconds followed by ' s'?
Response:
6 h 54 min
